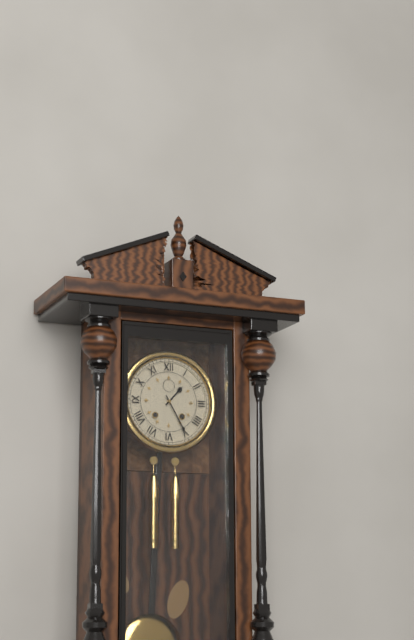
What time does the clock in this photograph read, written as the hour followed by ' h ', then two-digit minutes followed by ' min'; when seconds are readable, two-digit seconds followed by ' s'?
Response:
1 h 25 min
